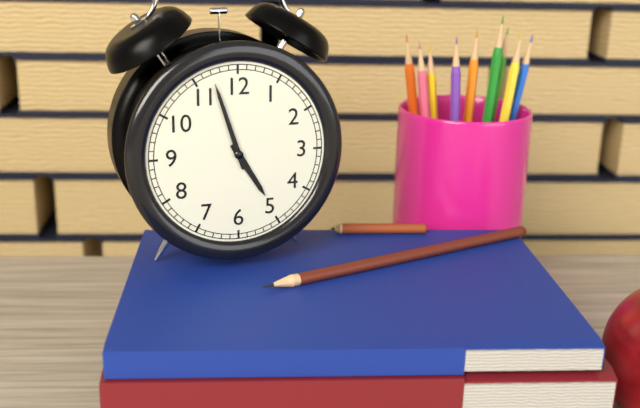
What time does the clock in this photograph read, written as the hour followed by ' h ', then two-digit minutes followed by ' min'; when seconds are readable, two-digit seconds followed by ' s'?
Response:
4 h 57 min
